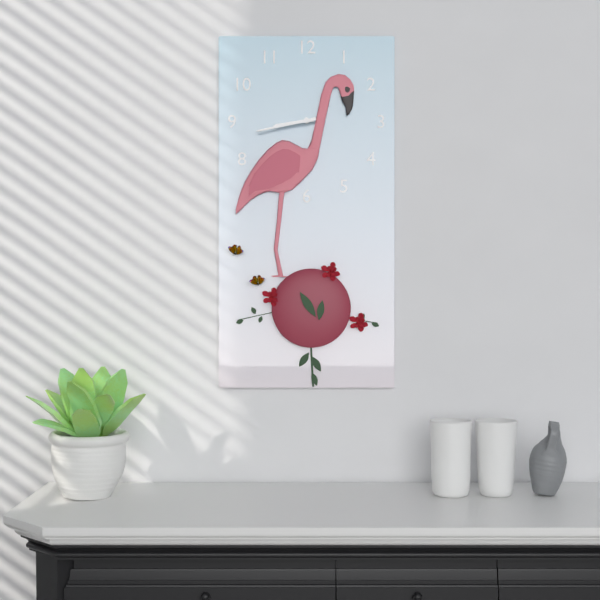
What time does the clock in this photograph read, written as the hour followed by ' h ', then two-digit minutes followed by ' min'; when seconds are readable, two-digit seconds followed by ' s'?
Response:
8 h 43 min
